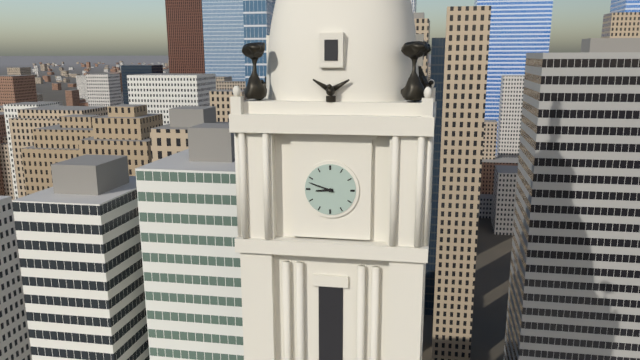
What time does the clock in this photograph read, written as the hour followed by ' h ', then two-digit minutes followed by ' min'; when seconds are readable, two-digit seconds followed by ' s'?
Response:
8 h 48 min
